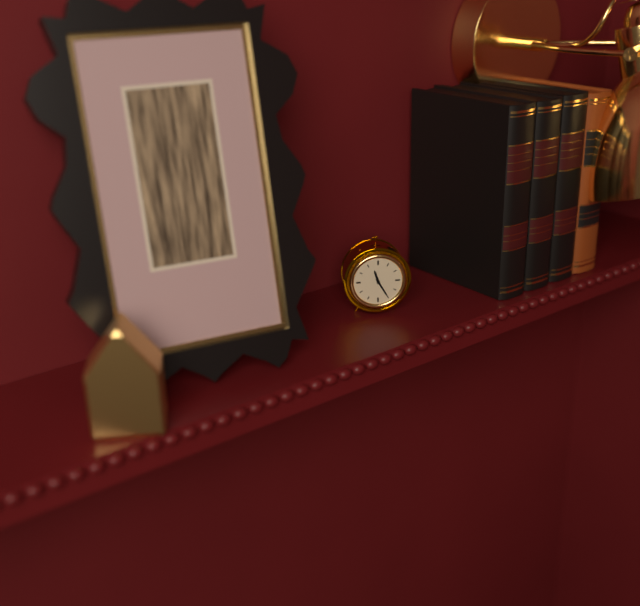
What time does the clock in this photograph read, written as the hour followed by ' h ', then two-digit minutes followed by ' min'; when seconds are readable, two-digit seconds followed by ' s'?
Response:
11 h 25 min
